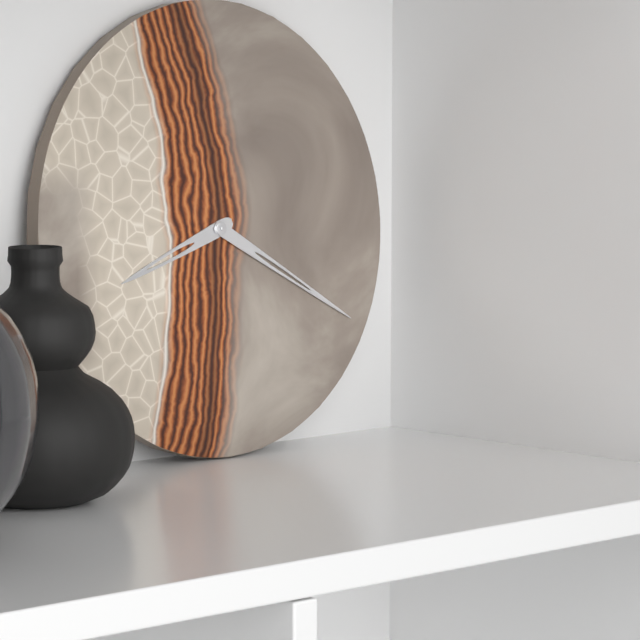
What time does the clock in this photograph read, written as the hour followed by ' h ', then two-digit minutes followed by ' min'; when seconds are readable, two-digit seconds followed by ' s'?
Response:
8 h 20 min
